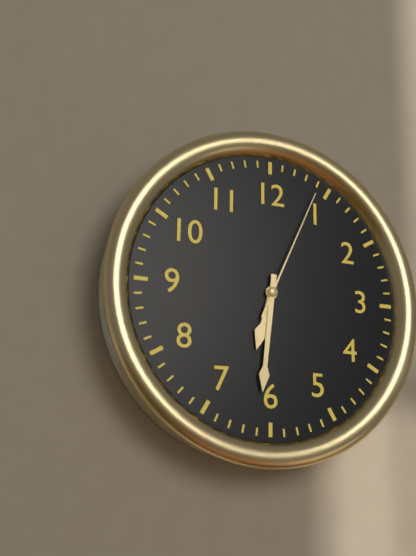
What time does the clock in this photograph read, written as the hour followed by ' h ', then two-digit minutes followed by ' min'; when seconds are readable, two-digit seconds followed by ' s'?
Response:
6 h 31 min 04 s
